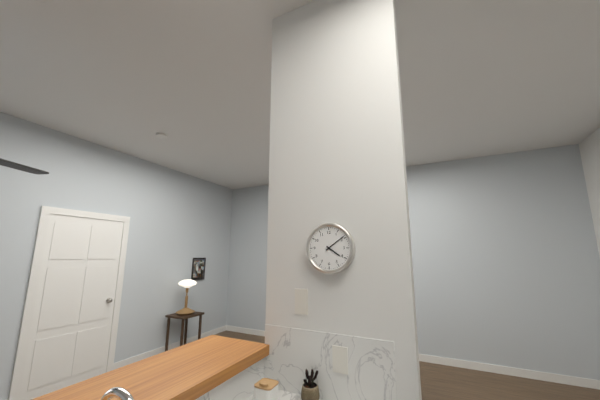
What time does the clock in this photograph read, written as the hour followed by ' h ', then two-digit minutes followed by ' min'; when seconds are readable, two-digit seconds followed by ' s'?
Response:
4 h 09 min
